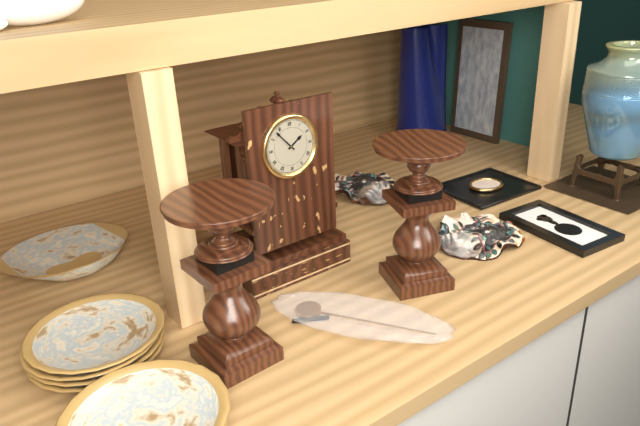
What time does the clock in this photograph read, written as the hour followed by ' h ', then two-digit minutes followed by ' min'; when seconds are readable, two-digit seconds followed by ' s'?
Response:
1 h 53 min
